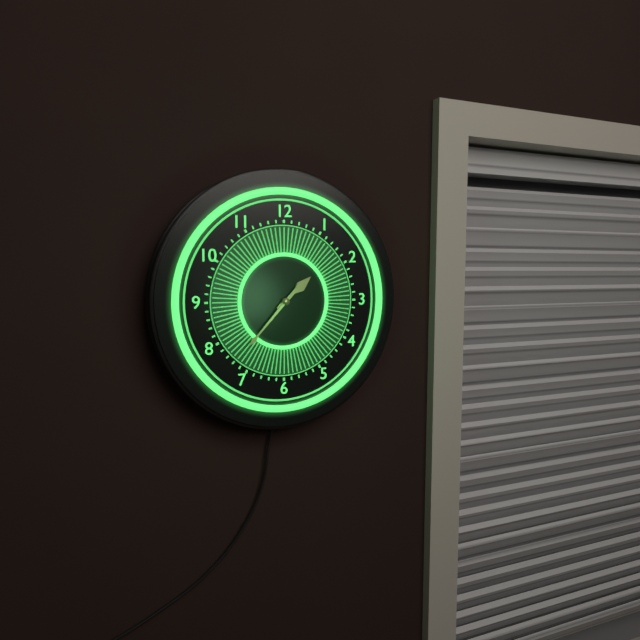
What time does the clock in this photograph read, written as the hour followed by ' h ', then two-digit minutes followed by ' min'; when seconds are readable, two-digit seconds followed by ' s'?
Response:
1 h 37 min
